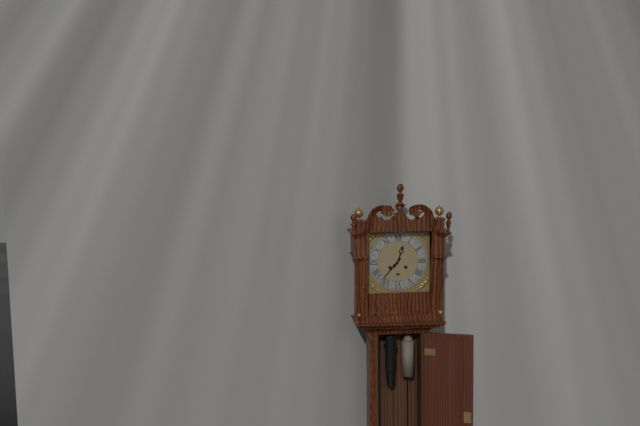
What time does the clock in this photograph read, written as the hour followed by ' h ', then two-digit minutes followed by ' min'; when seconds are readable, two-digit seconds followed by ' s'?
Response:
12 h 37 min
